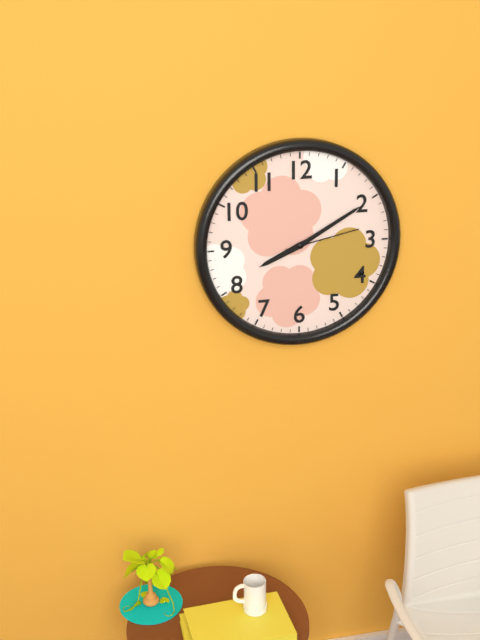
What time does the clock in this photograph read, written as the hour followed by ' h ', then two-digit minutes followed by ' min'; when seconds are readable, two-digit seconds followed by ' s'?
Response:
8 h 10 min 13 s
